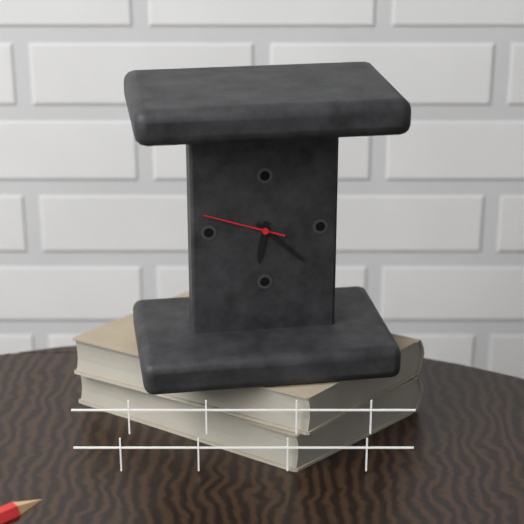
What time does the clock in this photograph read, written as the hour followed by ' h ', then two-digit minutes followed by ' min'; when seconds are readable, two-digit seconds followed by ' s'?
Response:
6 h 22 min 48 s
